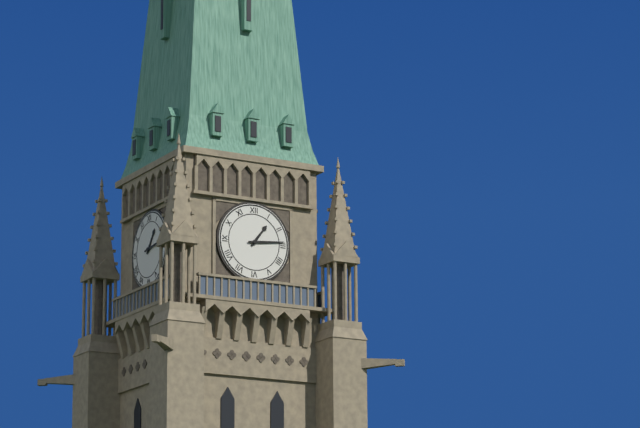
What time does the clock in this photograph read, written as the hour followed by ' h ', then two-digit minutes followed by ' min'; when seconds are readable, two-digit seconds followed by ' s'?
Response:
1 h 14 min
